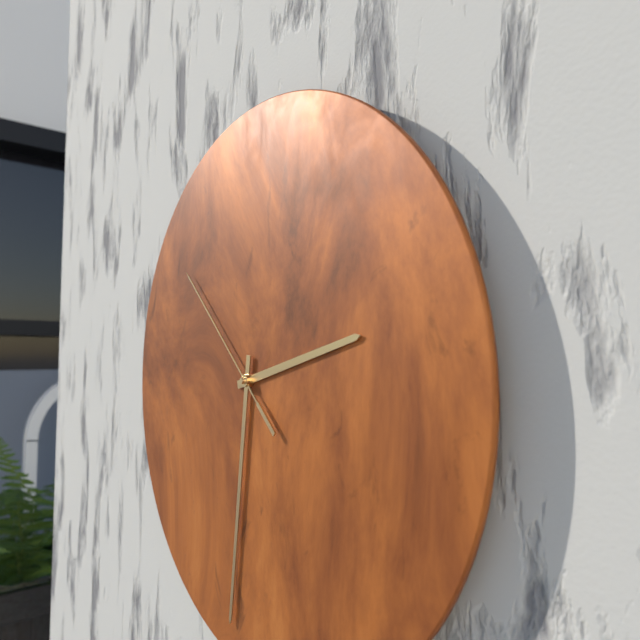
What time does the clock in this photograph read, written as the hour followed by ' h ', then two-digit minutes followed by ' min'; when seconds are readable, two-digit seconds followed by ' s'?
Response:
2 h 31 min 52 s
